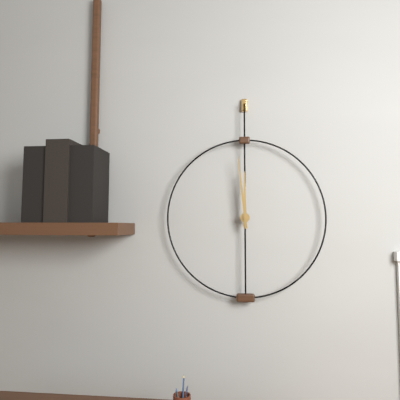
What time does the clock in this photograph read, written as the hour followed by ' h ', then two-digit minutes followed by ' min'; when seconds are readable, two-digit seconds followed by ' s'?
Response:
11 h 59 min
